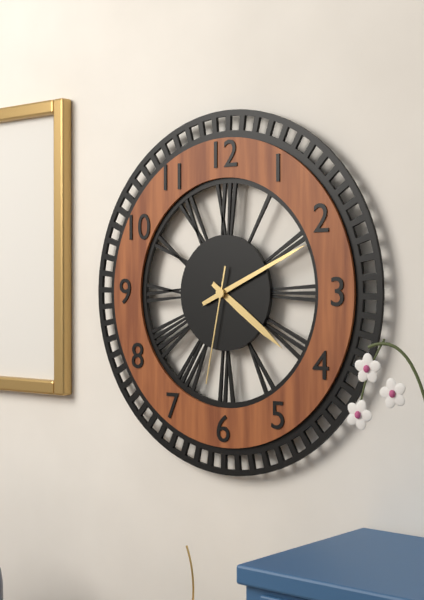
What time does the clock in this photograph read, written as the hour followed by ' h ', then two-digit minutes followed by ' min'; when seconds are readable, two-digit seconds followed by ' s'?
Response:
4 h 11 min 32 s
